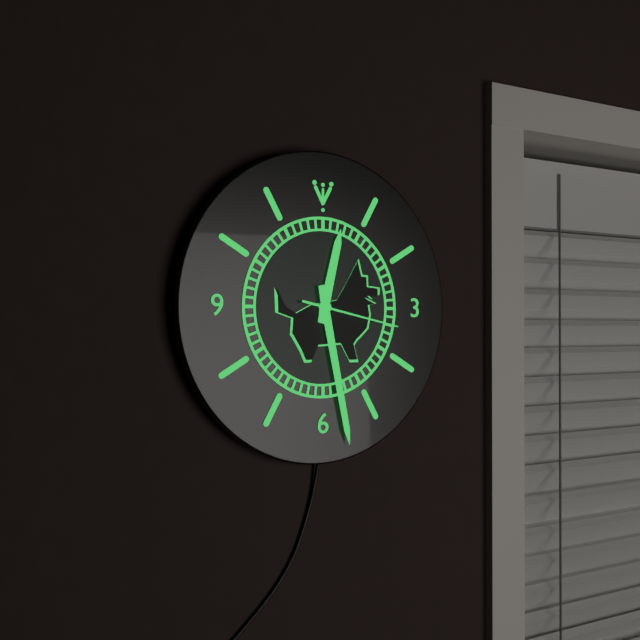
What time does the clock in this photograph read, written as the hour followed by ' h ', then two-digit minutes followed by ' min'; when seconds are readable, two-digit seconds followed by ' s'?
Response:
12 h 28 min 17 s
